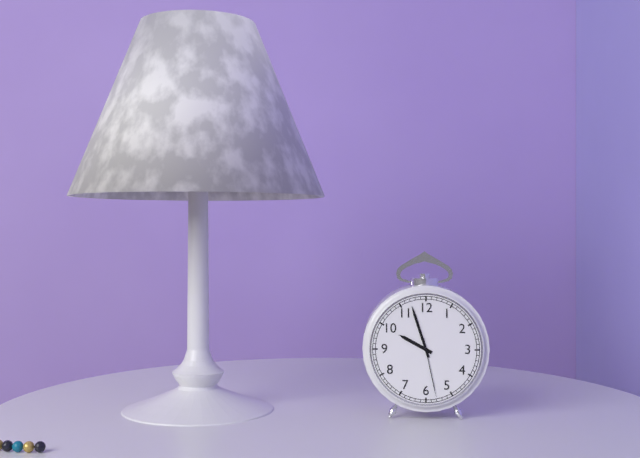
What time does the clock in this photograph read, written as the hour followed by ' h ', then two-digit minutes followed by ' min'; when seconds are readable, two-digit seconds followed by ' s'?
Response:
9 h 57 min 28 s
